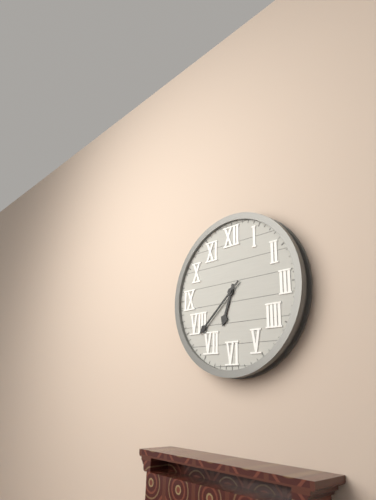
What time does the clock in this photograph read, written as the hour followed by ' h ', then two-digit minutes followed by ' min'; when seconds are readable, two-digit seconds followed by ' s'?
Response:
6 h 38 min
